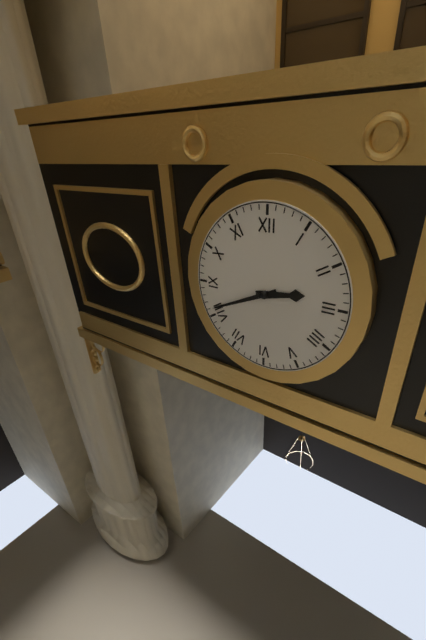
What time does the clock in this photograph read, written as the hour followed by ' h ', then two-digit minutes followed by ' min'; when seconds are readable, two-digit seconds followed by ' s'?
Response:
2 h 41 min
